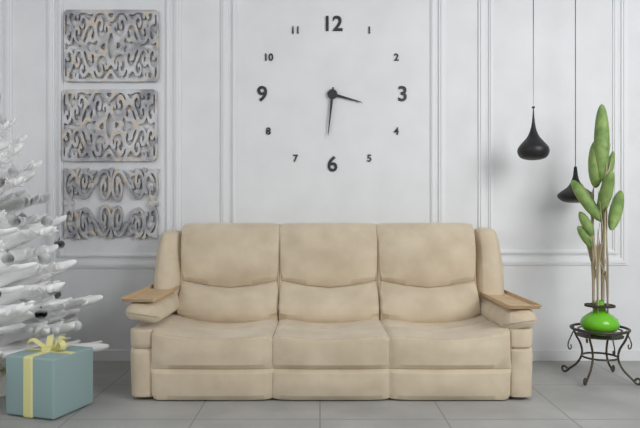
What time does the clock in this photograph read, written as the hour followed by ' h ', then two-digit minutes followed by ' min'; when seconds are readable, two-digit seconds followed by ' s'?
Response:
3 h 31 min
